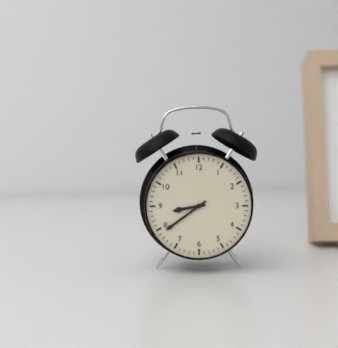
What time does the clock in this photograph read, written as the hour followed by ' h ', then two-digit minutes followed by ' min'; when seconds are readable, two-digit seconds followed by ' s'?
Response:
8 h 39 min
